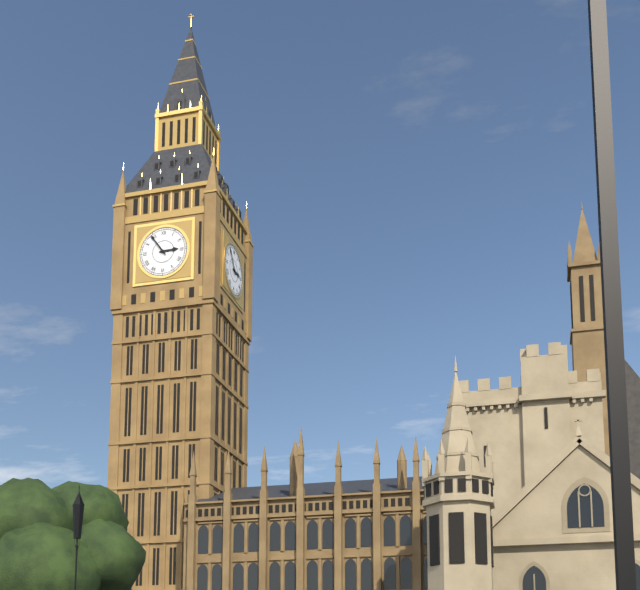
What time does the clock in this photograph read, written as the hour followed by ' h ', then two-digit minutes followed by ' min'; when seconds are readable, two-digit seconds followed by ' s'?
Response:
2 h 54 min
